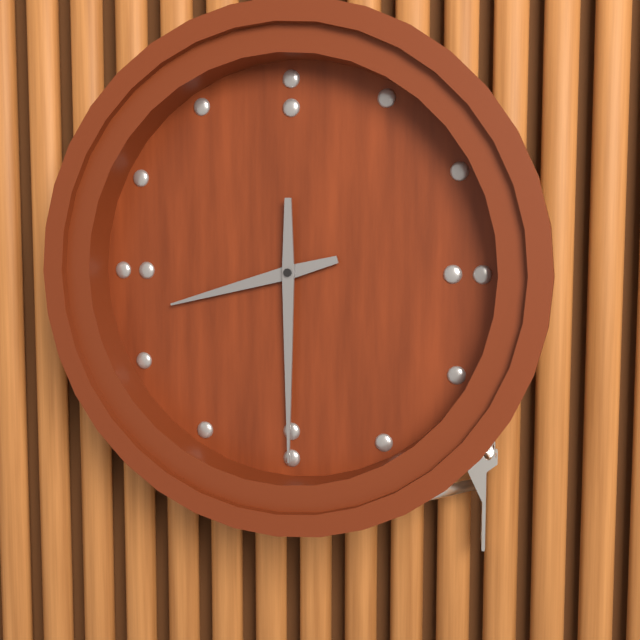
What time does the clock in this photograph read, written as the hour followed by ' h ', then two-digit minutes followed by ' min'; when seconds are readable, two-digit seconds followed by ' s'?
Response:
8 h 30 min
